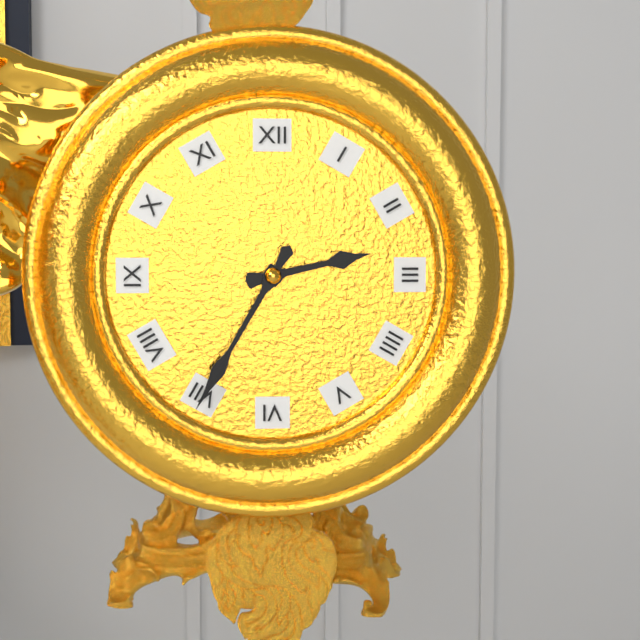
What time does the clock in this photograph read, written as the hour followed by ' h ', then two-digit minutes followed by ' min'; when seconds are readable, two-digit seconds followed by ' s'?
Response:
2 h 35 min
